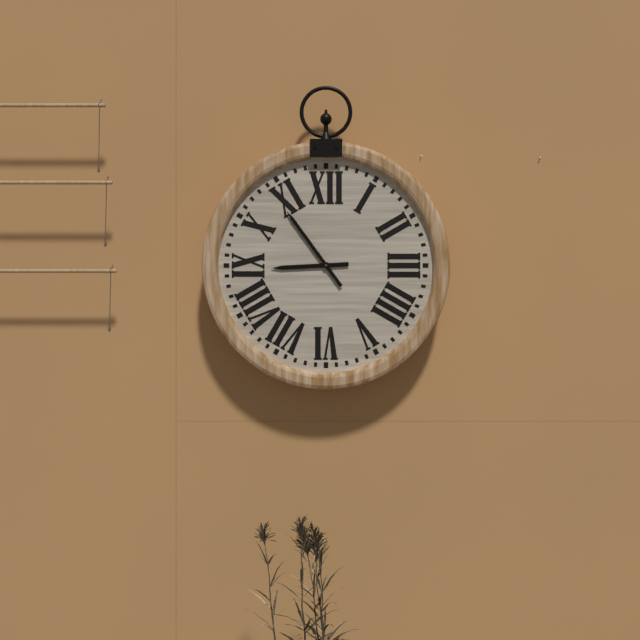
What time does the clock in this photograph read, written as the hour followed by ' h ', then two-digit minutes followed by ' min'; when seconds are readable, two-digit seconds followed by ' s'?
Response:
8 h 54 min
